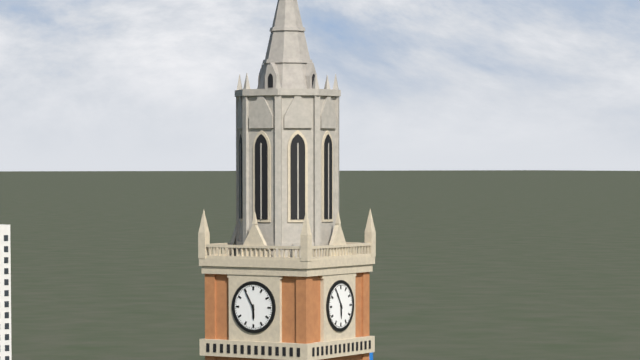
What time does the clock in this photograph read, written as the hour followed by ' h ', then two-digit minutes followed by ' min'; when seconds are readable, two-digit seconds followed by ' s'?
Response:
5 h 55 min
